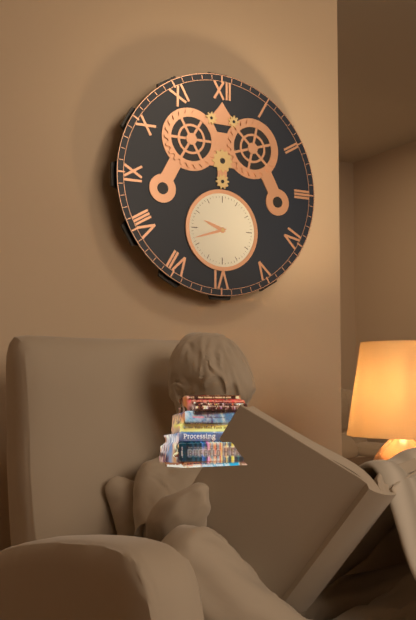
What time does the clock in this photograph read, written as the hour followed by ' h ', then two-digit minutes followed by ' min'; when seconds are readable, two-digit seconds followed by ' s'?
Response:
9 h 42 min
